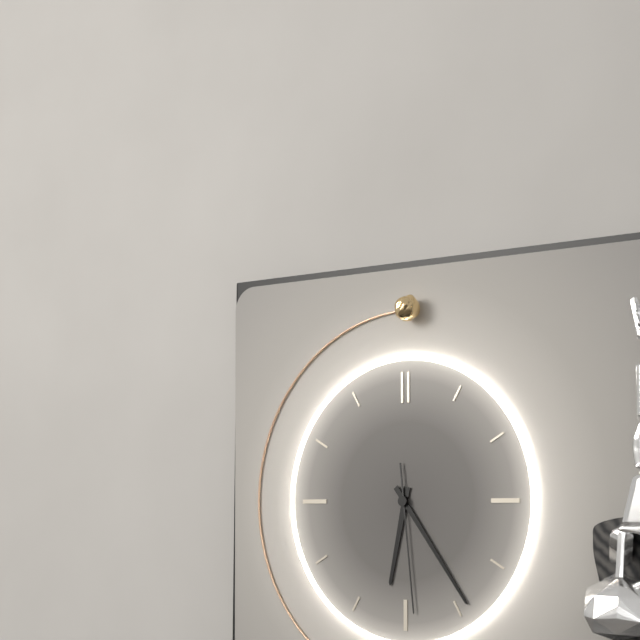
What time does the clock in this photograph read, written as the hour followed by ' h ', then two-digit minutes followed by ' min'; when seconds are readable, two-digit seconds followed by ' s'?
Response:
6 h 24 min 29 s
